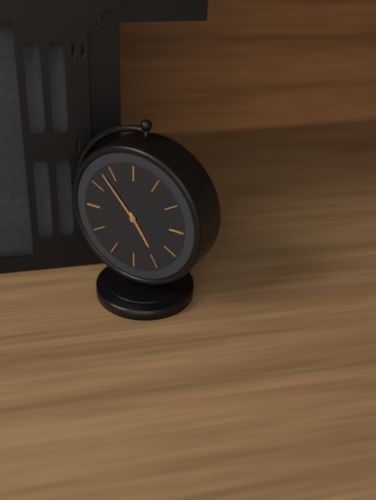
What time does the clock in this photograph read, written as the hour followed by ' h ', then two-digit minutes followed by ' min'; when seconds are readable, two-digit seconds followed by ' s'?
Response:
4 h 53 min
